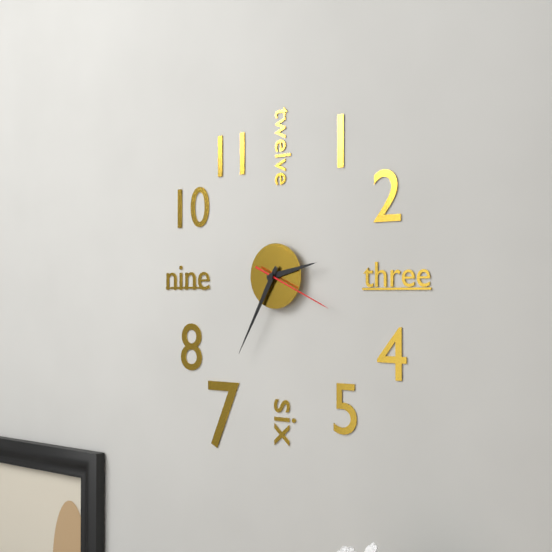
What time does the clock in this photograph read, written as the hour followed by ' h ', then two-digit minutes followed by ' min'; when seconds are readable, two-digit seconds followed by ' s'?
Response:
2 h 35 min 19 s
